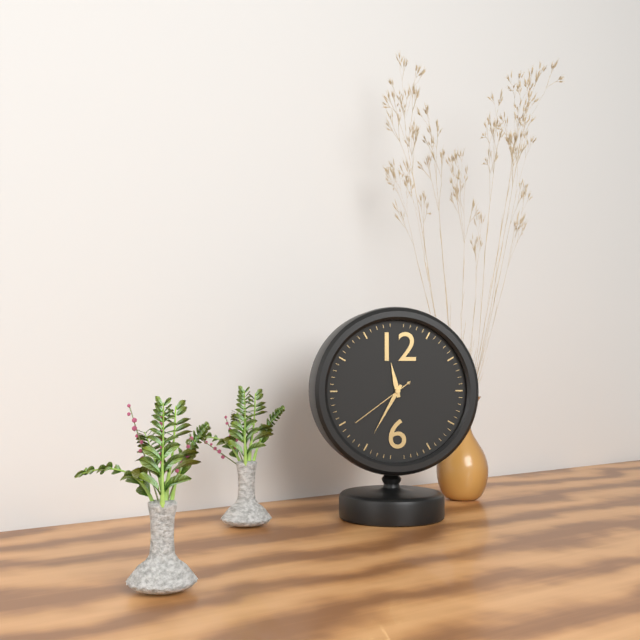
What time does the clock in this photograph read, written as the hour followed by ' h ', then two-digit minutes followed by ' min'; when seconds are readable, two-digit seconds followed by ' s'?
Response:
11 h 35 min 39 s
